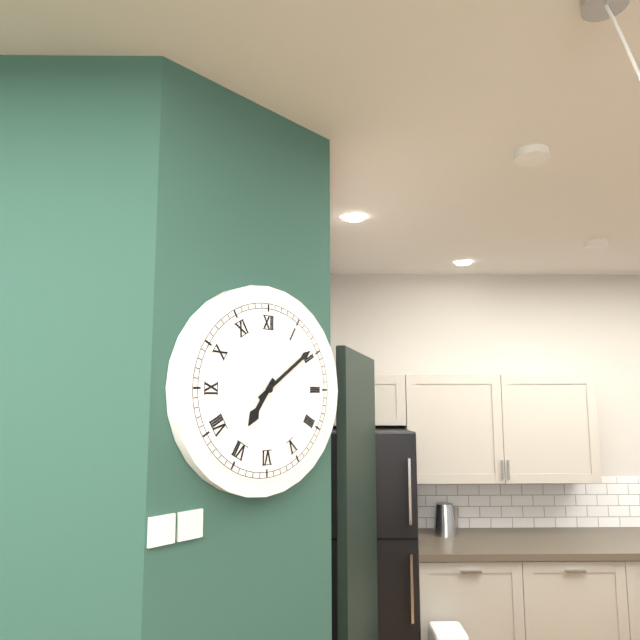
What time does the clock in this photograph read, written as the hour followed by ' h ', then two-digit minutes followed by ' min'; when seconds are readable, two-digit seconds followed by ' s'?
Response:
7 h 09 min
